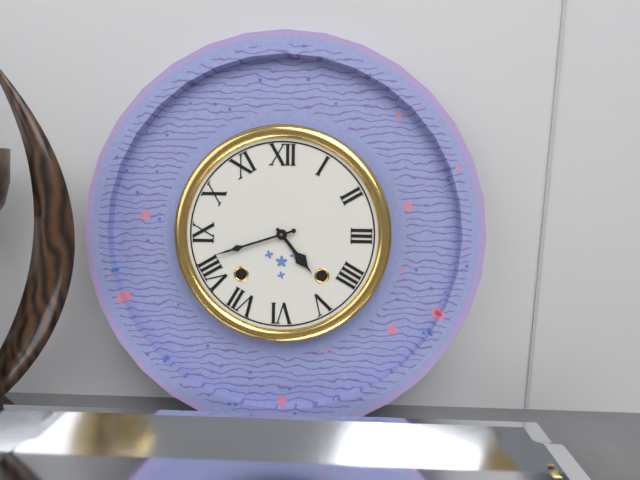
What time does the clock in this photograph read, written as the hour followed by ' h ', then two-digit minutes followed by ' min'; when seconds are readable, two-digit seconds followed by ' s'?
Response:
4 h 42 min
